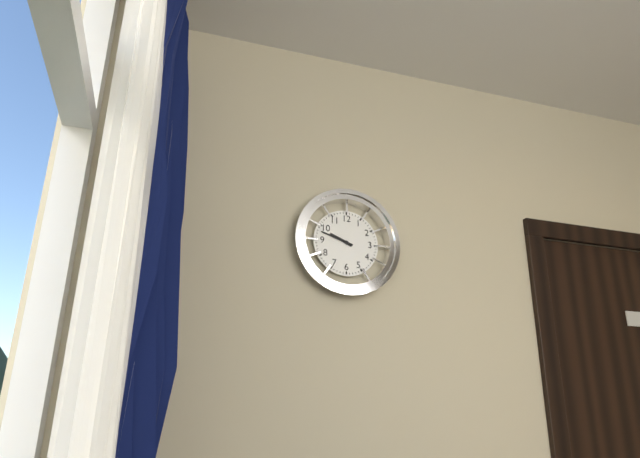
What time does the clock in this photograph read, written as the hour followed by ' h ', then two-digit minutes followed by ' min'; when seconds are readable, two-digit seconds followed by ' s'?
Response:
9 h 48 min
